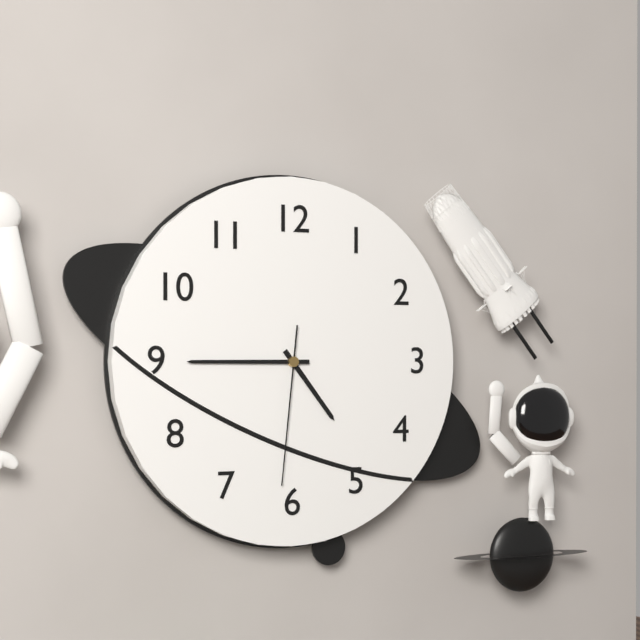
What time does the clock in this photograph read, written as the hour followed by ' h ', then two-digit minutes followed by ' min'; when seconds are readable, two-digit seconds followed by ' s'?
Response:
4 h 45 min 31 s
